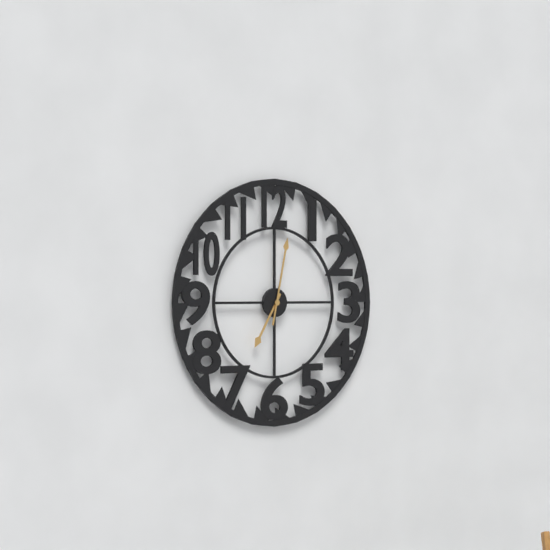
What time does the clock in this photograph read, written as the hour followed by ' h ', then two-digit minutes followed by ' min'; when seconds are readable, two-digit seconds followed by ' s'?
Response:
7 h 02 min
